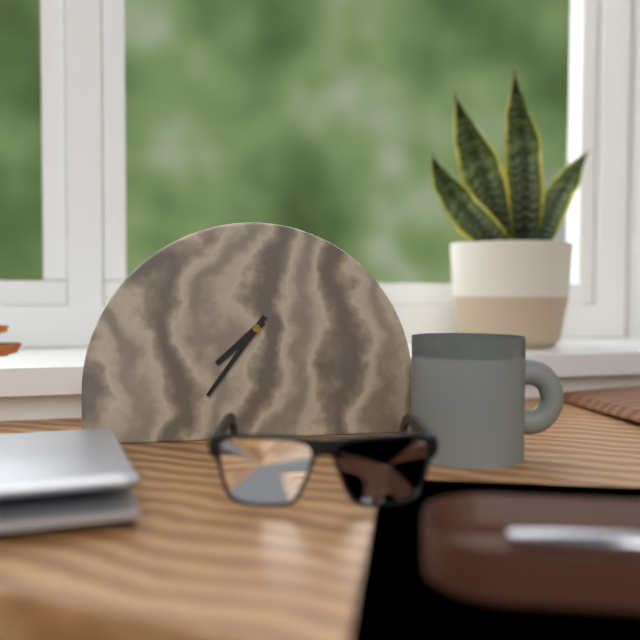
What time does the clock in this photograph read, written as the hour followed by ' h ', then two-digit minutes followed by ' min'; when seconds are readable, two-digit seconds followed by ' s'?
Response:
7 h 36 min
